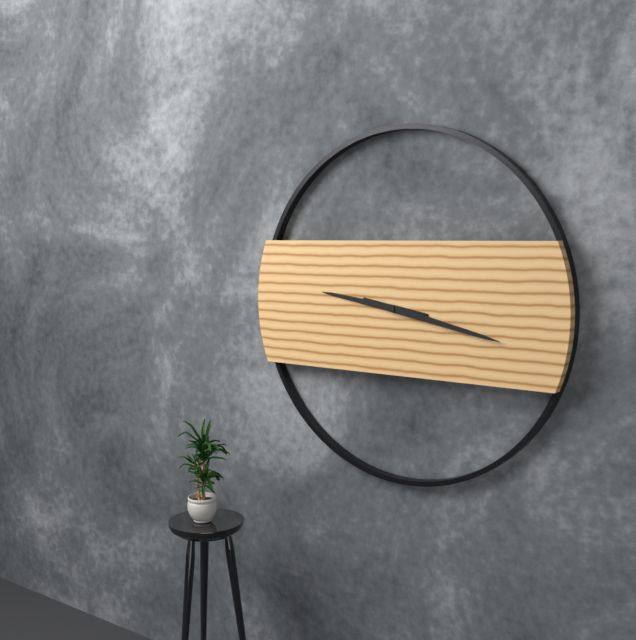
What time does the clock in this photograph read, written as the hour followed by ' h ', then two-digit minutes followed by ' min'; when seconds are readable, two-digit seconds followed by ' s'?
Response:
9 h 17 min
